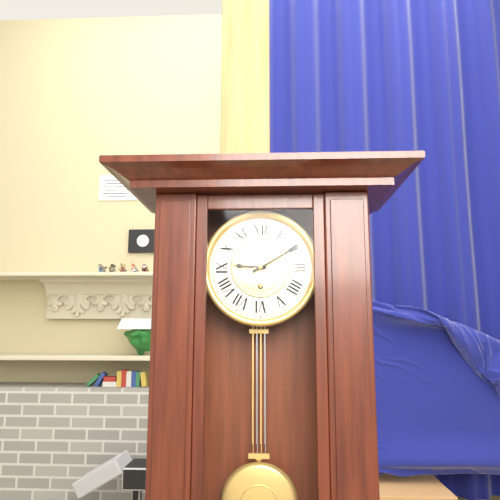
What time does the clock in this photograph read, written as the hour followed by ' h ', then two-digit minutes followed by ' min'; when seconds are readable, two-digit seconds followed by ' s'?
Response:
9 h 10 min
